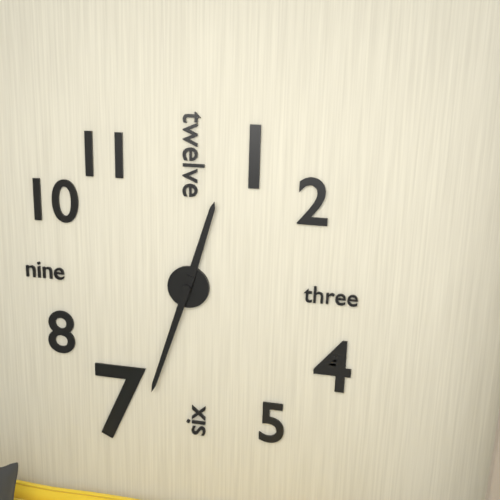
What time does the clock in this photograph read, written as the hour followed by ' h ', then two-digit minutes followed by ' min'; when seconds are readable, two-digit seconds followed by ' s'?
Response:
12 h 33 min
